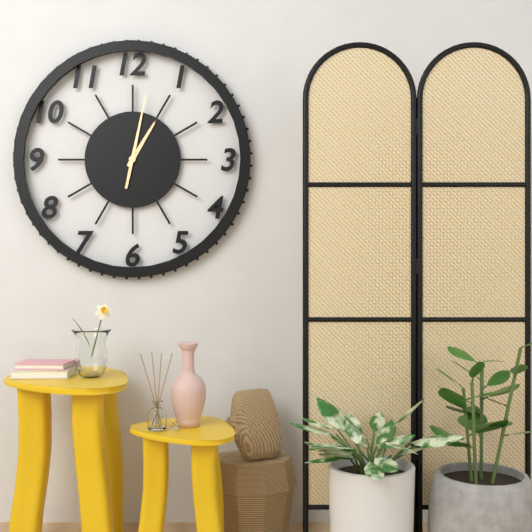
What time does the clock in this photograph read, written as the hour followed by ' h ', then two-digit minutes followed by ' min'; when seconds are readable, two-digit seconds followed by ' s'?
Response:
1 h 02 min
